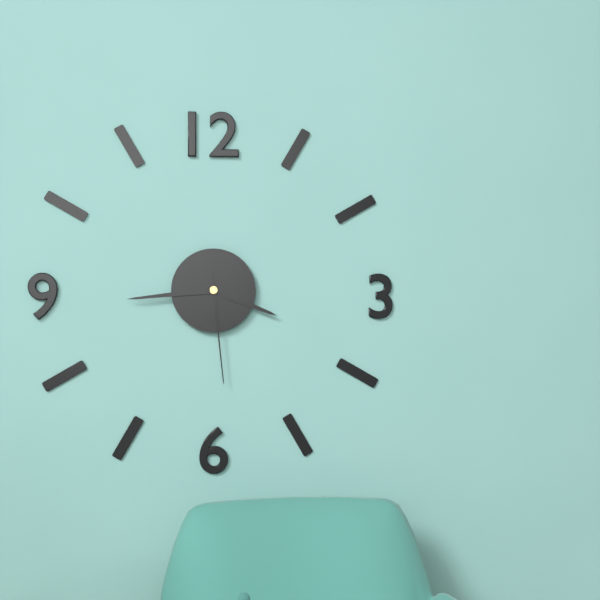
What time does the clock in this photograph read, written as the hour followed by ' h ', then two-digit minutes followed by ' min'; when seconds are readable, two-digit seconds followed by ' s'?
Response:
3 h 44 min 29 s
